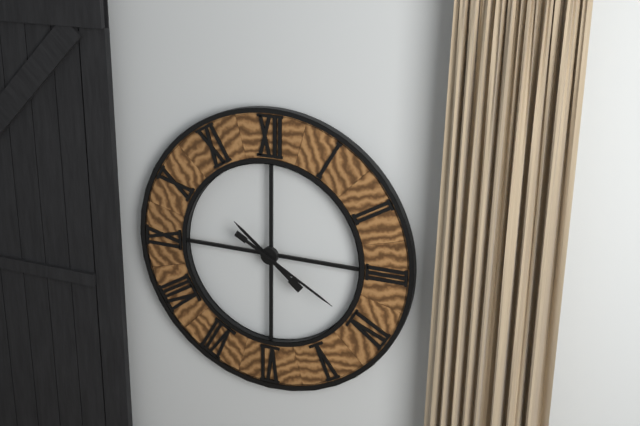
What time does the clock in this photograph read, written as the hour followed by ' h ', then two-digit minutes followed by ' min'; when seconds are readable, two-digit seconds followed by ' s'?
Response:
10 h 20 min
